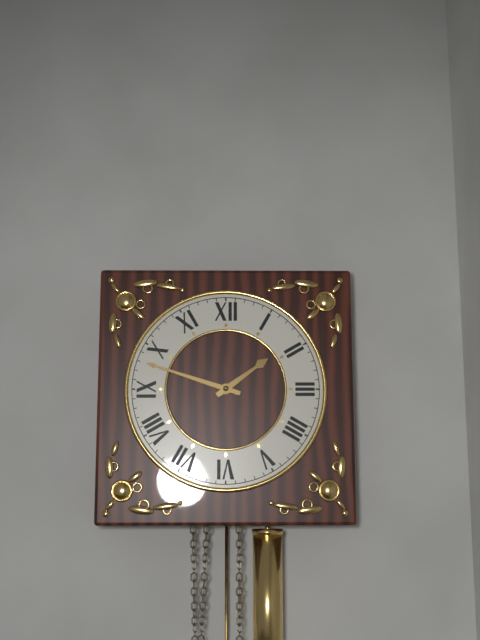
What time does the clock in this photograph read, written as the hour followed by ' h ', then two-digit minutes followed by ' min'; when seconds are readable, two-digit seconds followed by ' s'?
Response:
1 h 48 min
